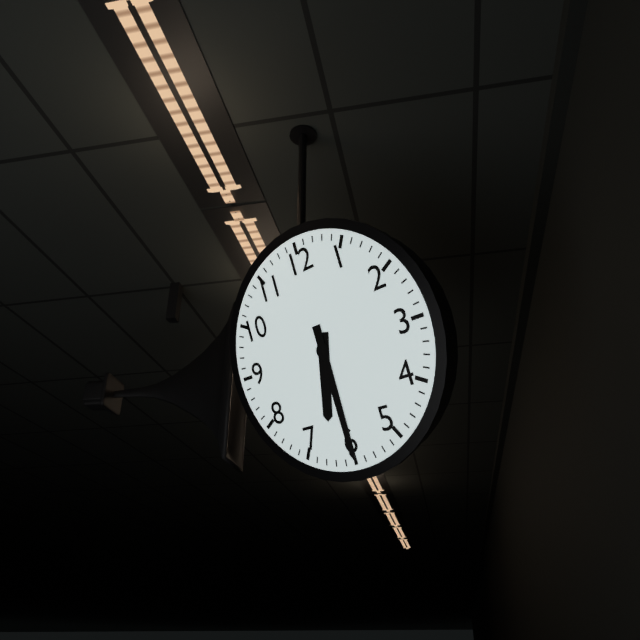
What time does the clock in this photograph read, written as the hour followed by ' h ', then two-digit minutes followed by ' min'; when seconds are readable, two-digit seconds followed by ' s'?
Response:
6 h 30 min
